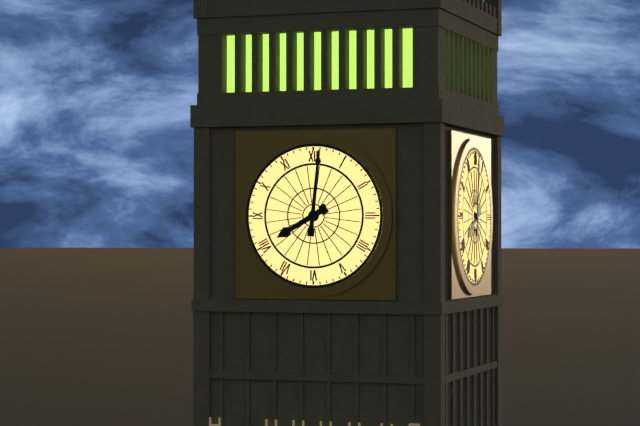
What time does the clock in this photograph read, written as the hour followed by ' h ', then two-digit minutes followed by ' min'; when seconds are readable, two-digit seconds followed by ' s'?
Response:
8 h 01 min
